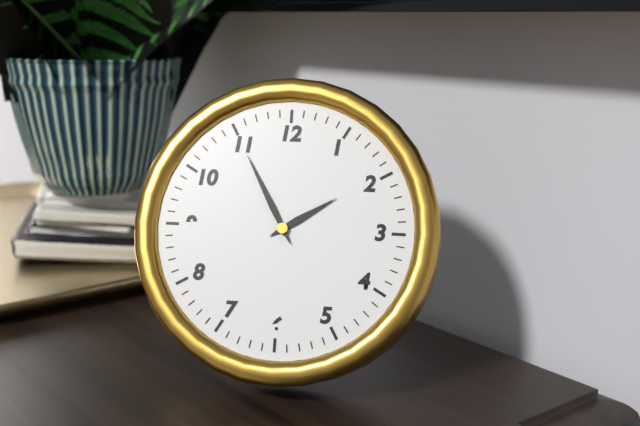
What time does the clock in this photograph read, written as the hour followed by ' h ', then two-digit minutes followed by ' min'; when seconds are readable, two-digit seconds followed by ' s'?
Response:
1 h 55 min
